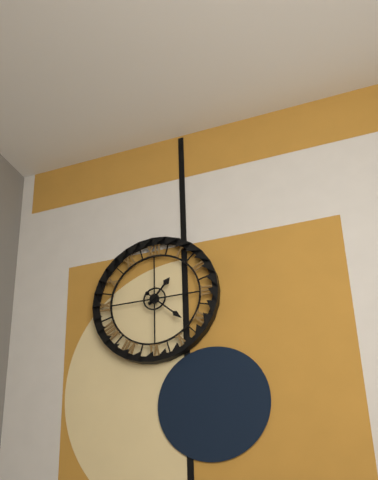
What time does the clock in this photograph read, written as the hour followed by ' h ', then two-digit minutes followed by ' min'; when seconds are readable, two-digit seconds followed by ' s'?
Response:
1 h 22 min
